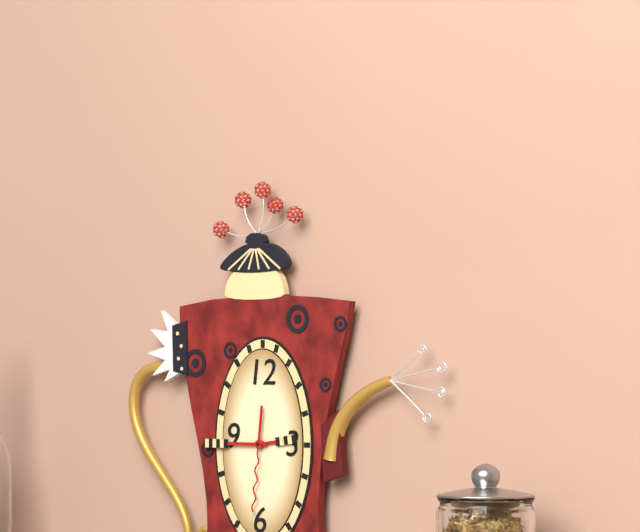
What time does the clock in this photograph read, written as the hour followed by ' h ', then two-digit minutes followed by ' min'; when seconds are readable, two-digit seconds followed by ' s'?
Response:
2 h 45 min 31 s
